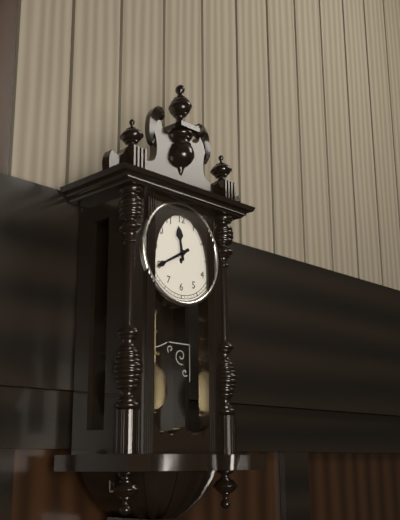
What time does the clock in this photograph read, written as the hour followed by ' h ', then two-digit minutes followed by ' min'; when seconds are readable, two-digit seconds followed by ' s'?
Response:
11 h 40 min
